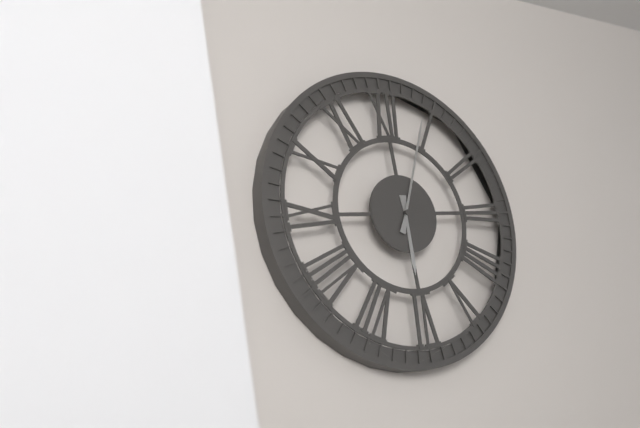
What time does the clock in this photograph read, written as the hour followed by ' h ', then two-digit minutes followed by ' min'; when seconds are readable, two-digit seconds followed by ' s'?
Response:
6 h 04 min
